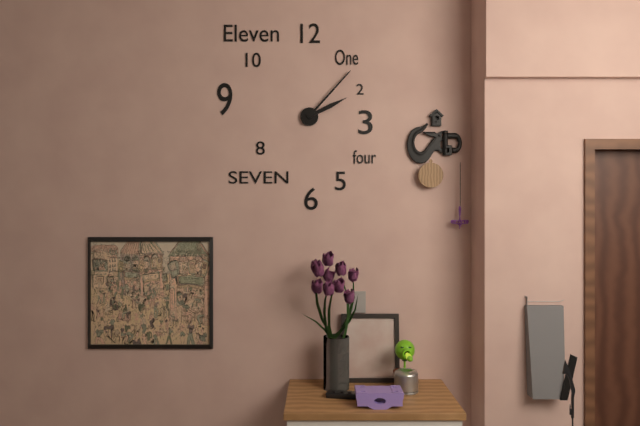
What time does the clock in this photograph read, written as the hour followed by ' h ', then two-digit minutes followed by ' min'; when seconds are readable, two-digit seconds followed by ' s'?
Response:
2 h 07 min
